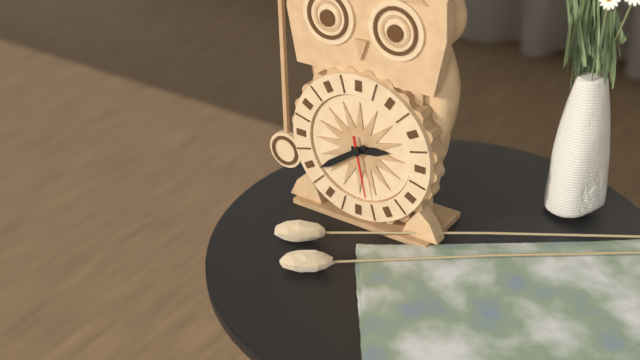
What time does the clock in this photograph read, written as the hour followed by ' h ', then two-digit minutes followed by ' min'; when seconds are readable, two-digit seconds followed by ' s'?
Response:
2 h 39 min 28 s
